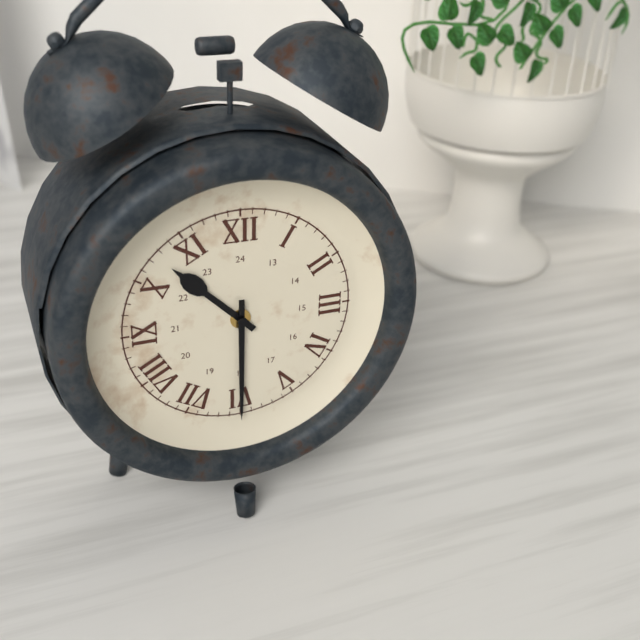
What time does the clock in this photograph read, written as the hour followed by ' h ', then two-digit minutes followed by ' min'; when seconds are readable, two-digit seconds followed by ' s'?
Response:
10 h 30 min
